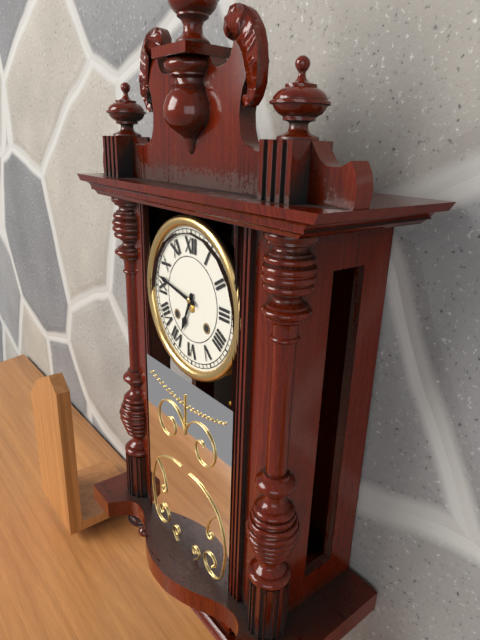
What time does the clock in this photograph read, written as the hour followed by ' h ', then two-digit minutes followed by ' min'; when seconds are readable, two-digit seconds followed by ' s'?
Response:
6 h 47 min
